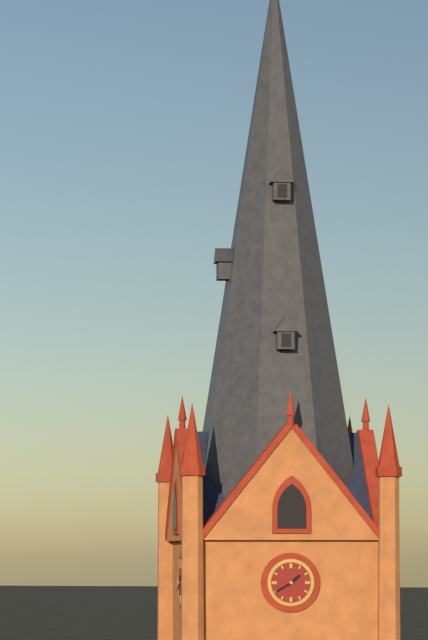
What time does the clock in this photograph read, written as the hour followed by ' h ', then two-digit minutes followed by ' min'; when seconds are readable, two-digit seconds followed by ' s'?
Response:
1 h 40 min
